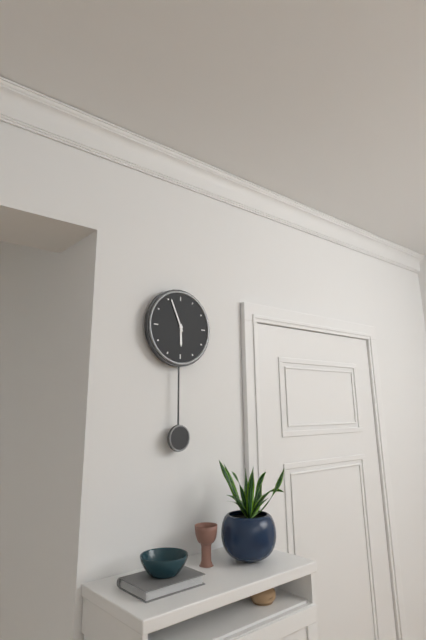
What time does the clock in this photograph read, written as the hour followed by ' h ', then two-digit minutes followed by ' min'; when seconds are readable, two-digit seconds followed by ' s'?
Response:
5 h 56 min
